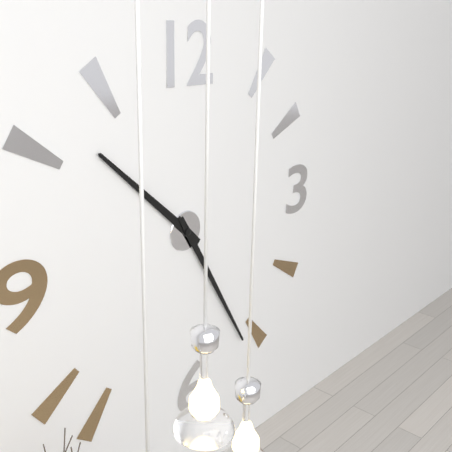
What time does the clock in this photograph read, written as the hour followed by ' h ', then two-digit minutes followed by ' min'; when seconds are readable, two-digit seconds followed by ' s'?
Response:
10 h 25 min
